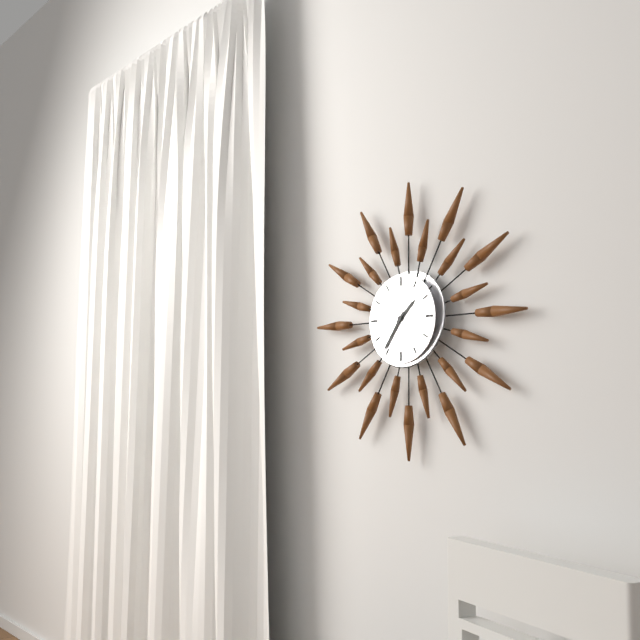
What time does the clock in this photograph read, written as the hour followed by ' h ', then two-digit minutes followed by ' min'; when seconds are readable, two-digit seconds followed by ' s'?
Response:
1 h 36 min
